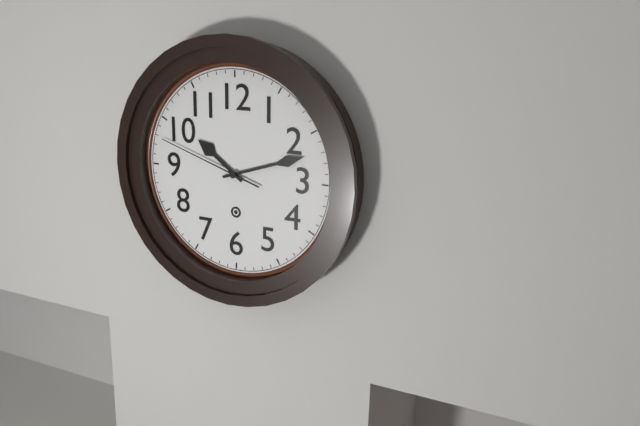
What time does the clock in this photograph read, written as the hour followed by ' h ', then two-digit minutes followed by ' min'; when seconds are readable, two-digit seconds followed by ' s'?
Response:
10 h 12 min 48 s
